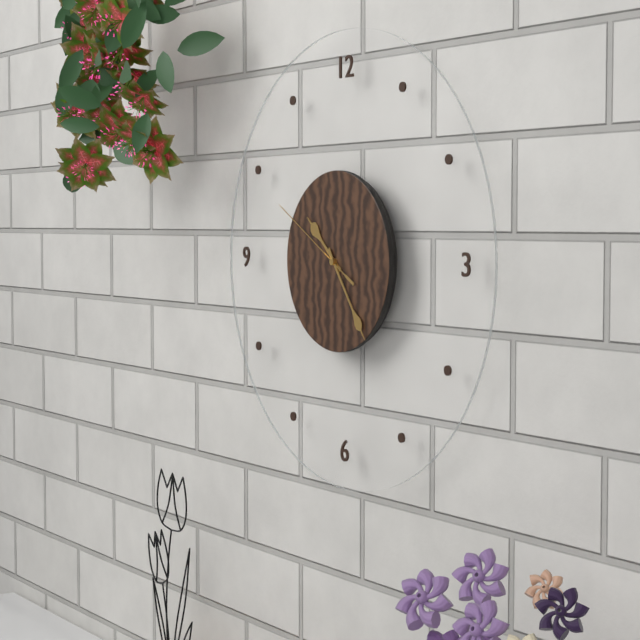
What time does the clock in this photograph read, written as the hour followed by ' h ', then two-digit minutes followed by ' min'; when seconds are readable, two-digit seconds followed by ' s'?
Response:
10 h 24 min 50 s
